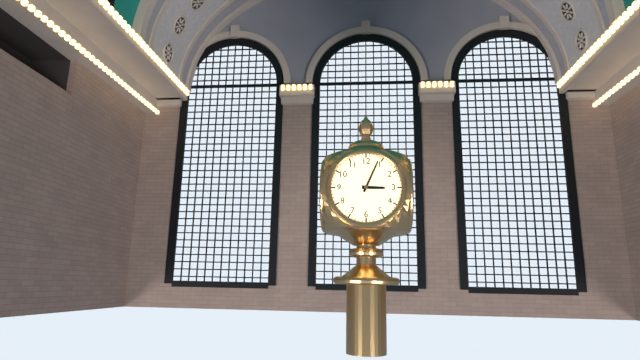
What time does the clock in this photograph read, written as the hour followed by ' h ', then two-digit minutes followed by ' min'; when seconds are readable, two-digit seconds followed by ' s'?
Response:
3 h 04 min
